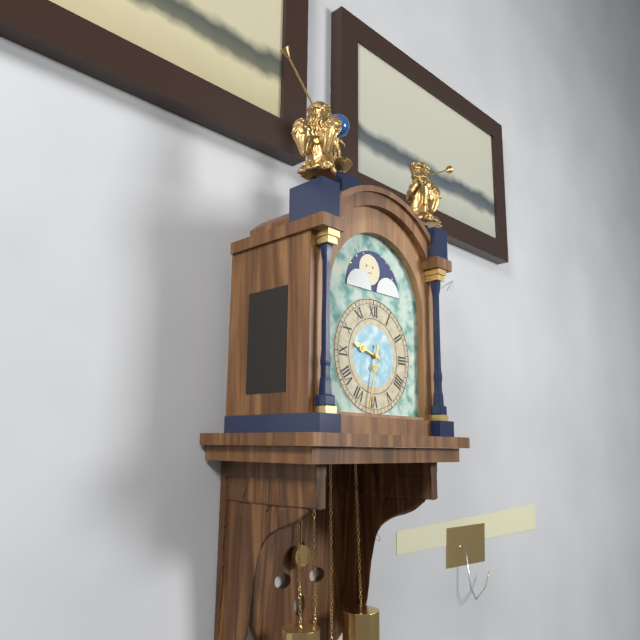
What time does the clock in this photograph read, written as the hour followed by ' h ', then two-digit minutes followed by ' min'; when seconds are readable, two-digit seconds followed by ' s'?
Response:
9 h 32 min
